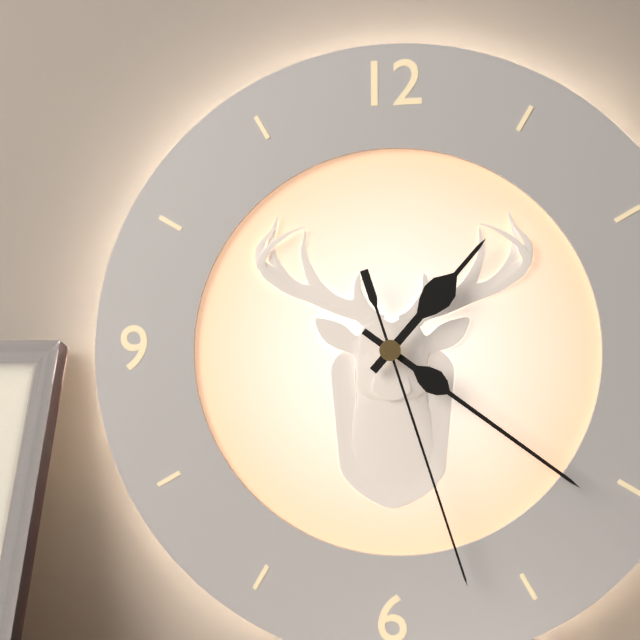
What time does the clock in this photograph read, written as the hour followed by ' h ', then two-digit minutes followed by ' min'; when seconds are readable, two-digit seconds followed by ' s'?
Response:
1 h 21 min 27 s
